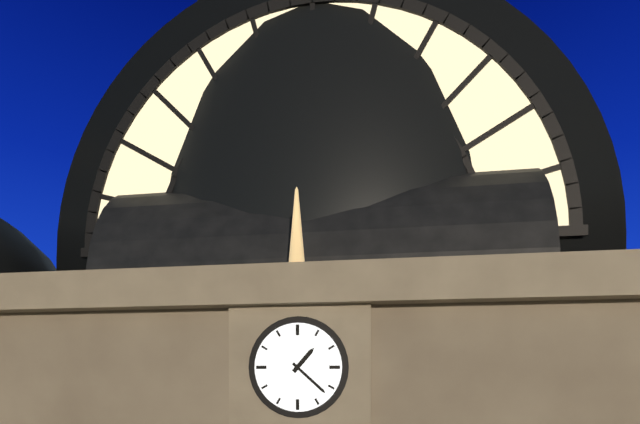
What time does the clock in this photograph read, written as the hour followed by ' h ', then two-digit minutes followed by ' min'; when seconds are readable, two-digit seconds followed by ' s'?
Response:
1 h 22 min
